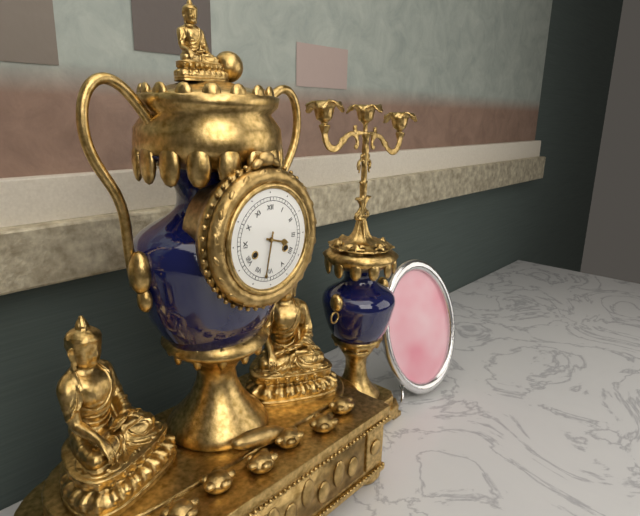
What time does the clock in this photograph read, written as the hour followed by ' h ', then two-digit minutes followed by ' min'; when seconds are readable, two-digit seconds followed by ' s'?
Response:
3 h 32 min
